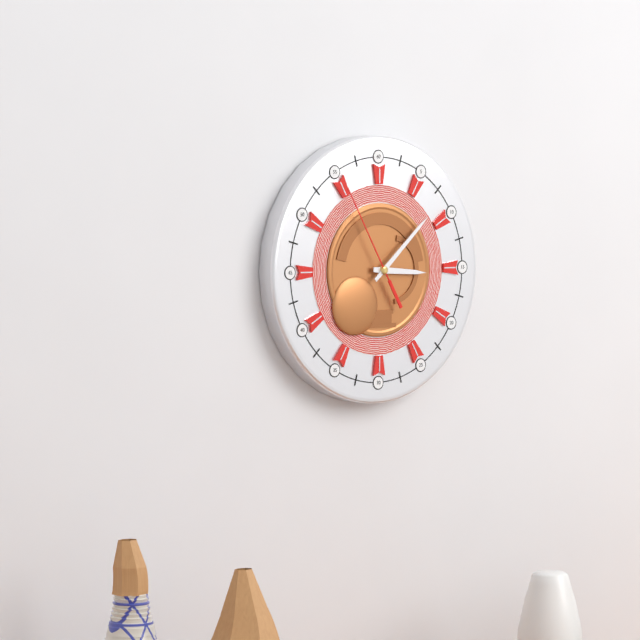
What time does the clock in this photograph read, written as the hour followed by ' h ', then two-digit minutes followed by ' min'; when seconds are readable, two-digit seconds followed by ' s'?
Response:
3 h 08 min 55 s
